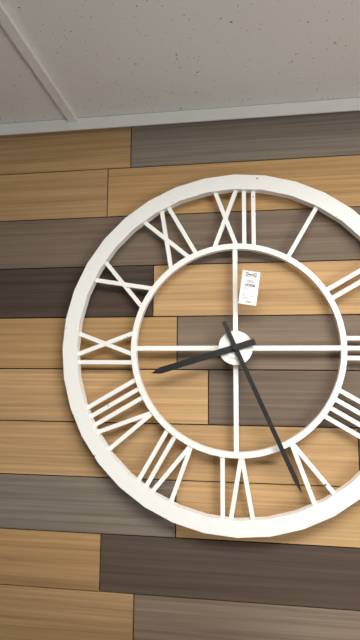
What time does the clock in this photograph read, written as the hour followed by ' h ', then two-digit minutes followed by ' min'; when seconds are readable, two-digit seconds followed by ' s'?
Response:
8 h 26 min
